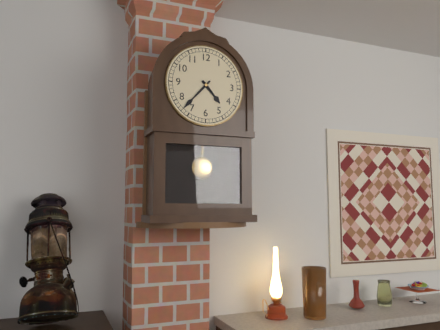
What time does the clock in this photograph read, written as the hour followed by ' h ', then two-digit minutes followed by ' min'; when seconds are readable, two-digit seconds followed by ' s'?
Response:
4 h 37 min
